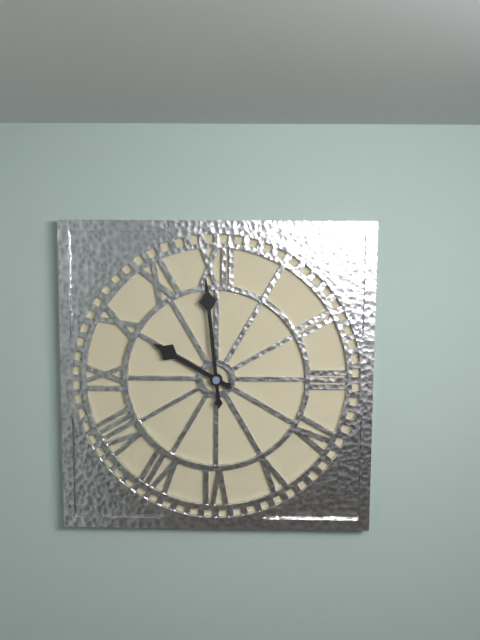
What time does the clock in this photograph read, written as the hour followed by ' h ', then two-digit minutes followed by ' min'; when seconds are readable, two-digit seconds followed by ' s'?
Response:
9 h 59 min
